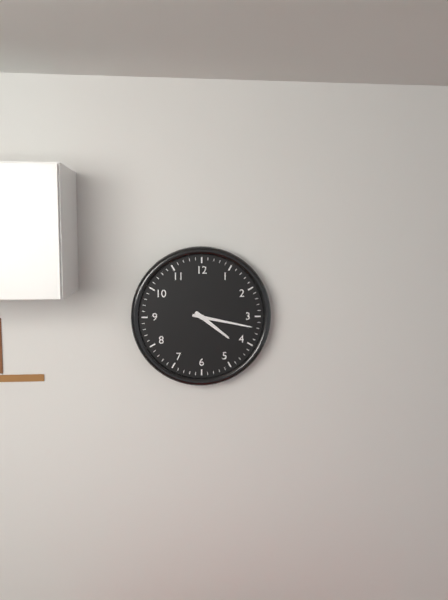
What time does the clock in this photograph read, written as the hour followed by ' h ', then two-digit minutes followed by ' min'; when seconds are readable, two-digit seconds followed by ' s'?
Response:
4 h 17 min
